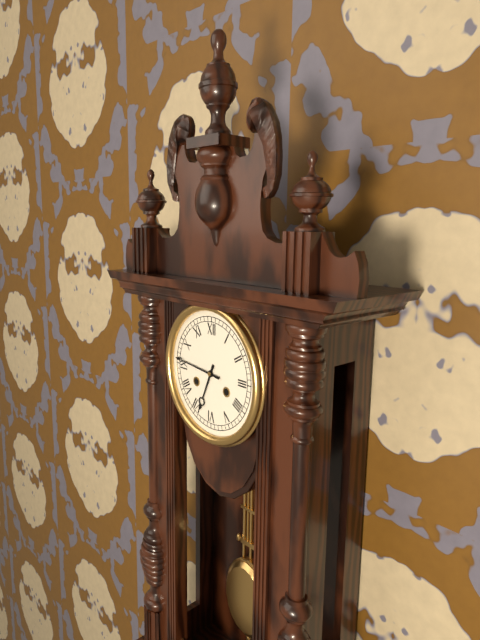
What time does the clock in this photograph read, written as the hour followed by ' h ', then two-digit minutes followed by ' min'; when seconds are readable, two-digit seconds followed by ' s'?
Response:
6 h 46 min
